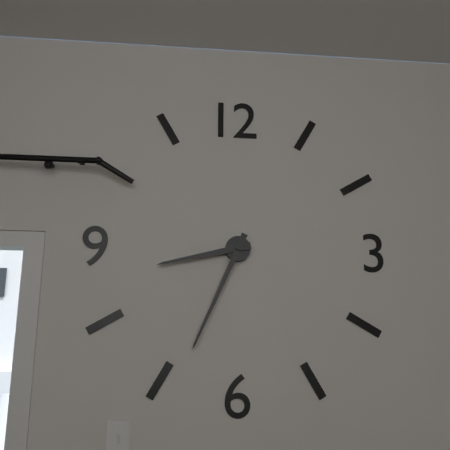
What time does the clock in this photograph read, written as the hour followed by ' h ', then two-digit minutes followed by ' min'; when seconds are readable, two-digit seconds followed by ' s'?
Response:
8 h 34 min
